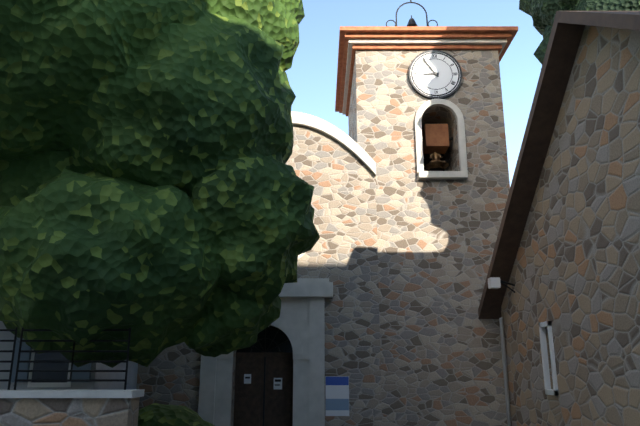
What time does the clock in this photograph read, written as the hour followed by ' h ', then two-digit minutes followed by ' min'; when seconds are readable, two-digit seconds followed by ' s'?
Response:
8 h 54 min
